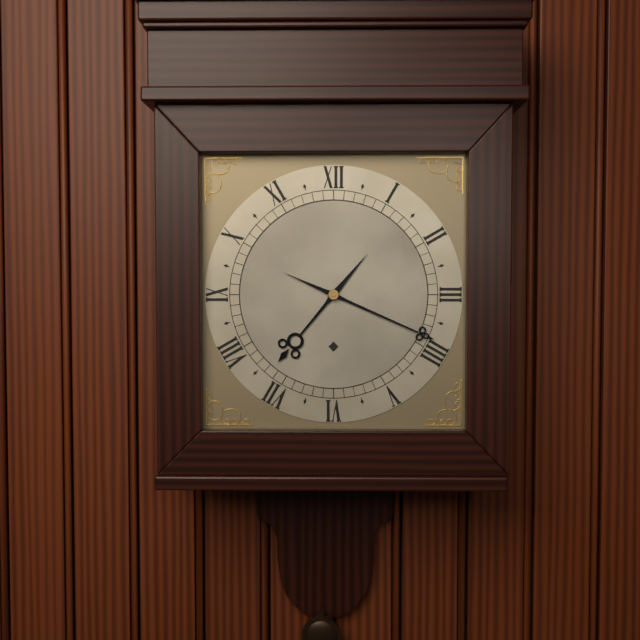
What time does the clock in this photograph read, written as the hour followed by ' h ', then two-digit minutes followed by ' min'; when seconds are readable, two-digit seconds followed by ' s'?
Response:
7 h 19 min
